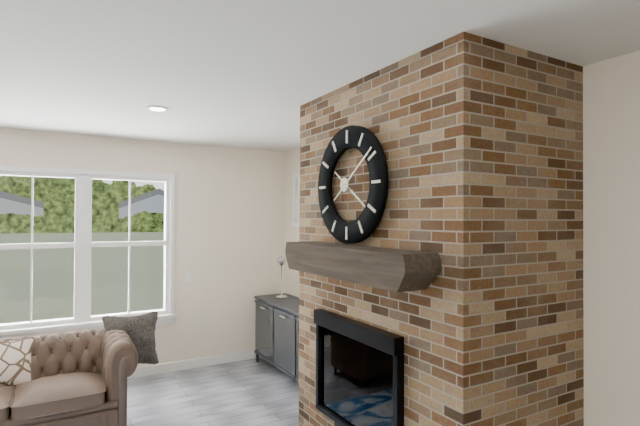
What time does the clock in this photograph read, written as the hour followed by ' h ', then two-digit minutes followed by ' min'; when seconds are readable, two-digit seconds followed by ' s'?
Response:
4 h 09 min
